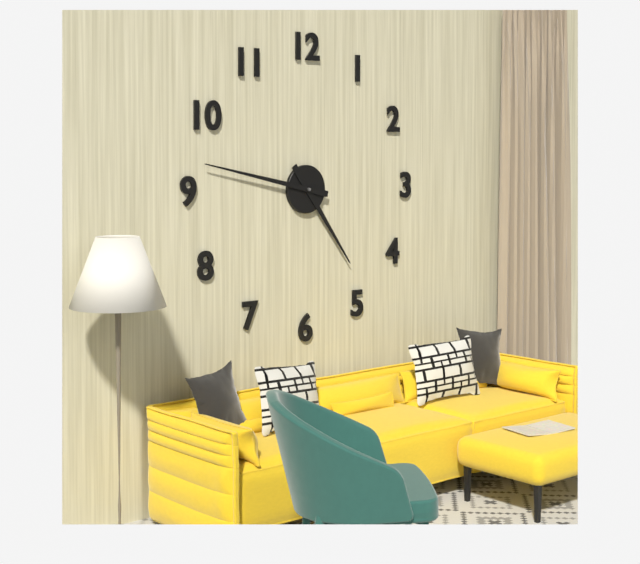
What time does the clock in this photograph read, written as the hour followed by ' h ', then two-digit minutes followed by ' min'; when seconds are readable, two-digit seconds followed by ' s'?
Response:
4 h 47 min
